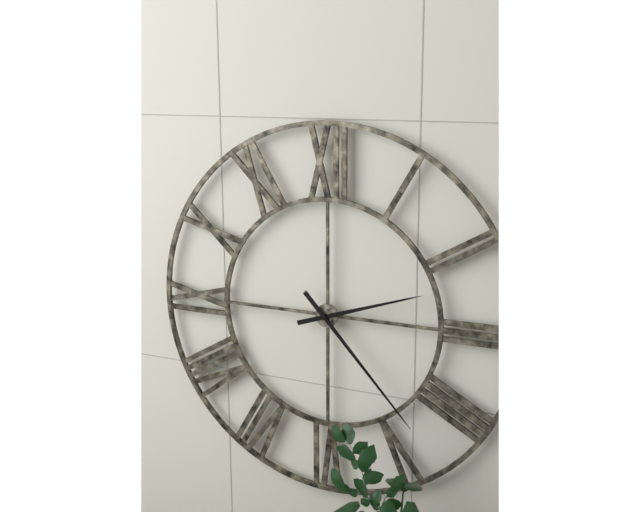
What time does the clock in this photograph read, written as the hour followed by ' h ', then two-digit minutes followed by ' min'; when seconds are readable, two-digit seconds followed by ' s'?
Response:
2 h 23 min
